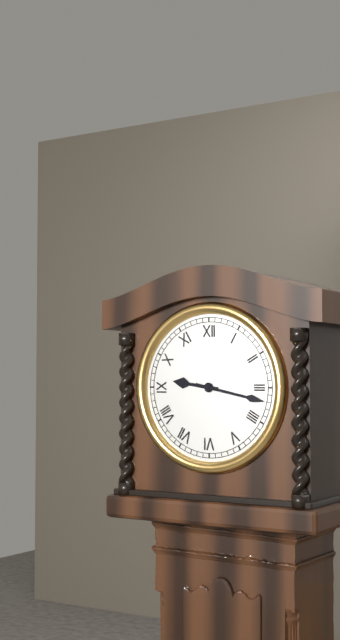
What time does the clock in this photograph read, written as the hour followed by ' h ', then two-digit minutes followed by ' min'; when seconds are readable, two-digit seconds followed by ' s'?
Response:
9 h 17 min
